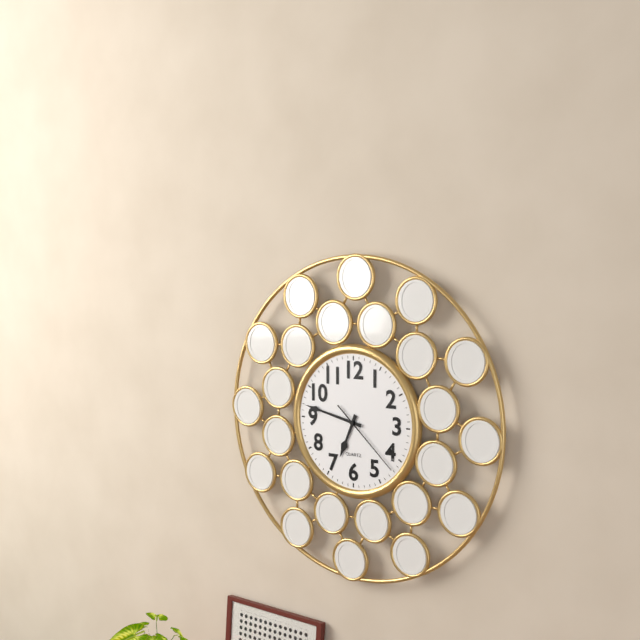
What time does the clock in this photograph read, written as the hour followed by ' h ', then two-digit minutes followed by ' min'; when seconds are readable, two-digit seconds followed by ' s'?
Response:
6 h 47 min 22 s
